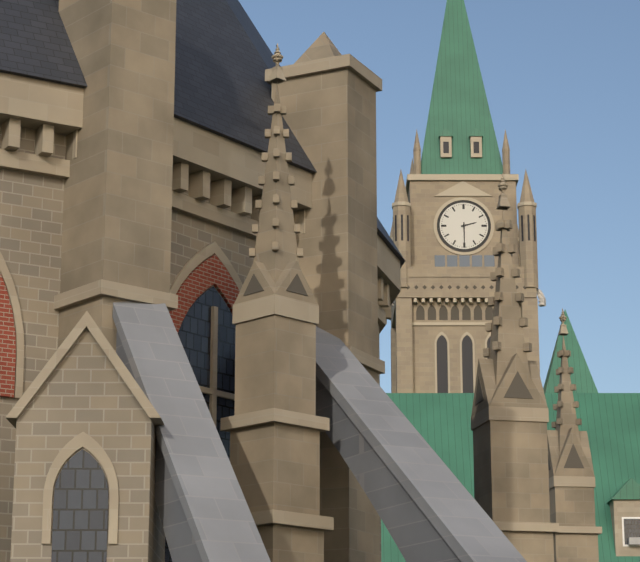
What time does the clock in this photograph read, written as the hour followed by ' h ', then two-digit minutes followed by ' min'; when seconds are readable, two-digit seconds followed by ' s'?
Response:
2 h 30 min
